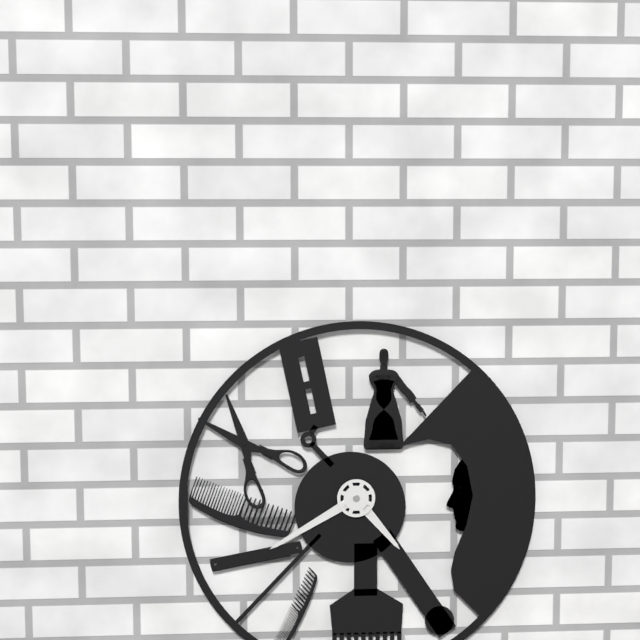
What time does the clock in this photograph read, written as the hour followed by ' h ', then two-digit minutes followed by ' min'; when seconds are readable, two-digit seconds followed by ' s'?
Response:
4 h 40 min
